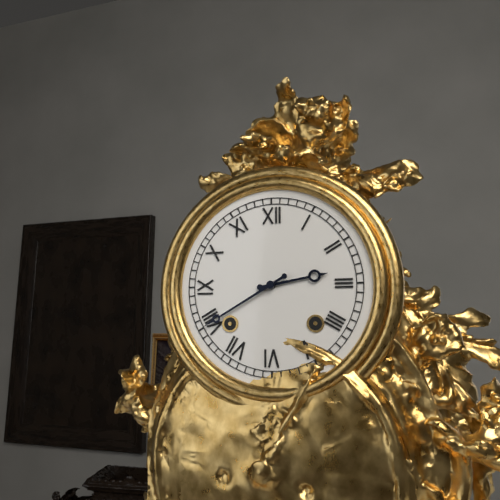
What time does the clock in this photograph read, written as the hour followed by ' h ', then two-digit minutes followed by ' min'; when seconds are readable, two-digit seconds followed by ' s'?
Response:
2 h 40 min
